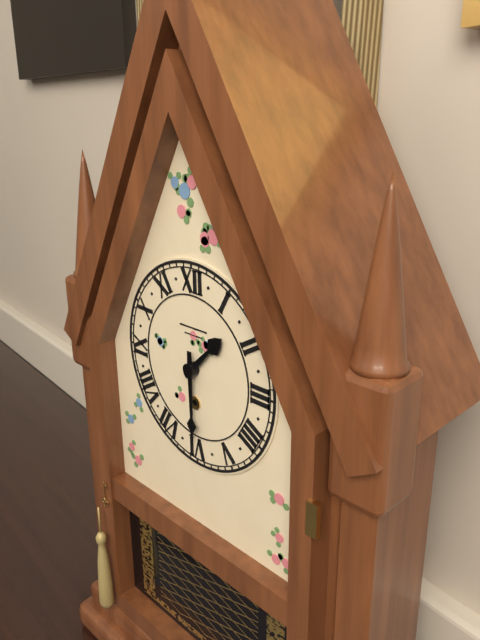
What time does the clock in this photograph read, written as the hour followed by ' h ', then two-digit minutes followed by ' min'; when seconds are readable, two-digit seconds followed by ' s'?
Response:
1 h 30 min
